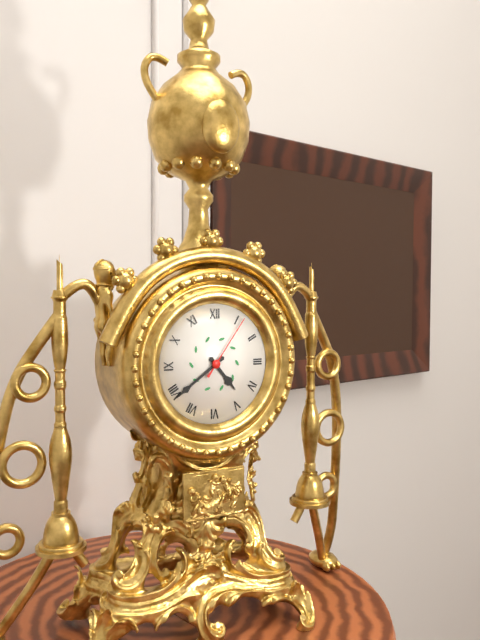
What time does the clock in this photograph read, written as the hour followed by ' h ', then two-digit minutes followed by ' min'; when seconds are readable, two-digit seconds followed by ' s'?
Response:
4 h 39 min 06 s
